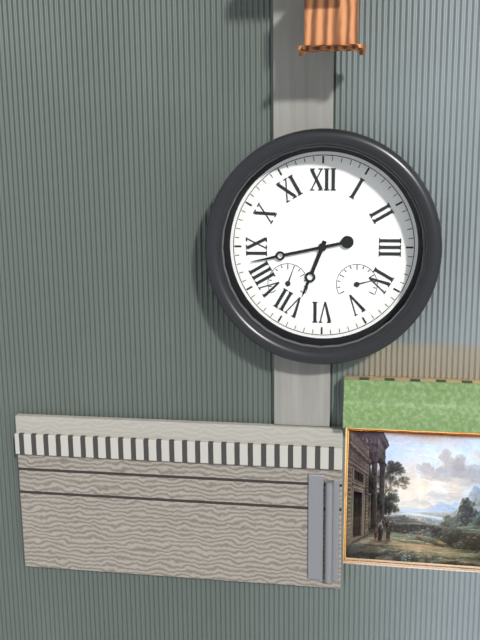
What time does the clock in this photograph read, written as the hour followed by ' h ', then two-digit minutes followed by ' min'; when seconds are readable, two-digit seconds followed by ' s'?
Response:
6 h 43 min
